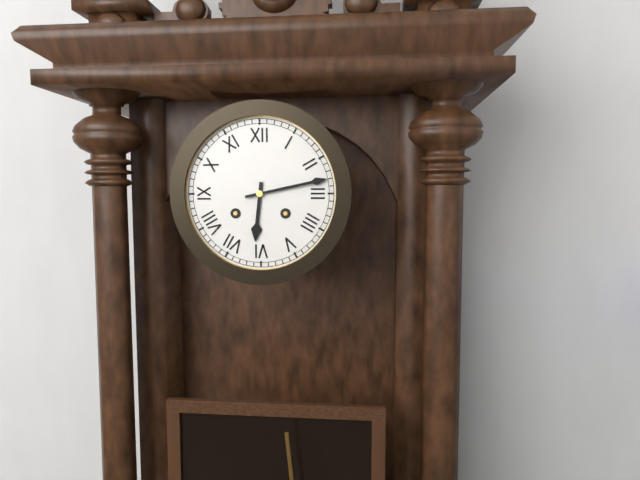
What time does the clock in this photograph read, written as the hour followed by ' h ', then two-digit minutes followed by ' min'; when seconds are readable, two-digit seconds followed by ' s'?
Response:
6 h 13 min
